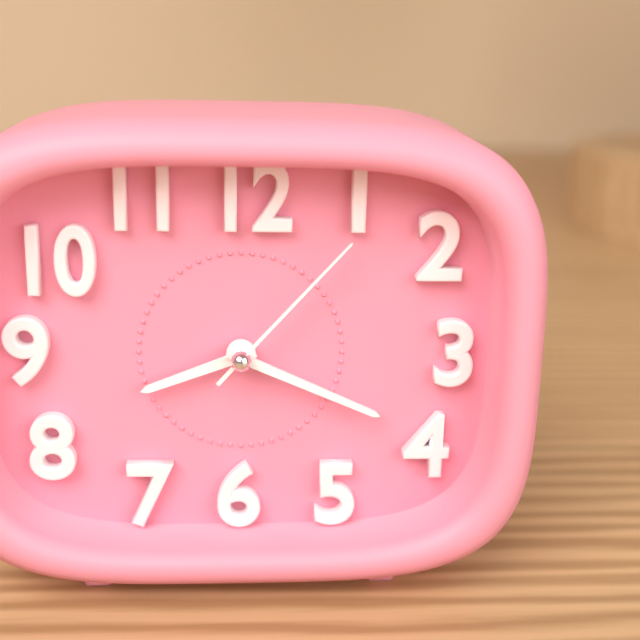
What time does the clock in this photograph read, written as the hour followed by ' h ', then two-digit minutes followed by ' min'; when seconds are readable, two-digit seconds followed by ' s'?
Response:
8 h 19 min 07 s
